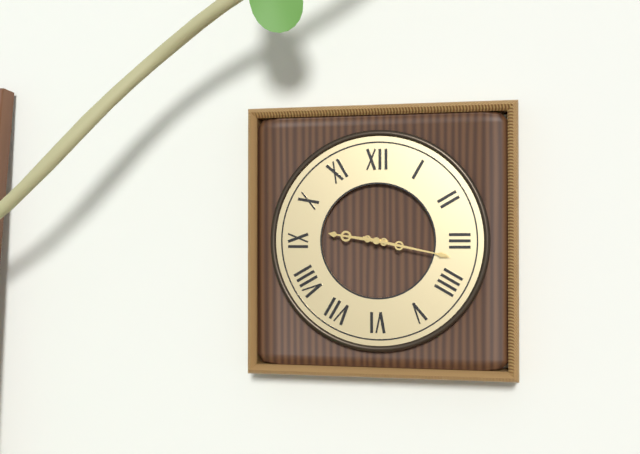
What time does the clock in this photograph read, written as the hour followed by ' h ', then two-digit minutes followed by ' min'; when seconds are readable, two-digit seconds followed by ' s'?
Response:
9 h 17 min
